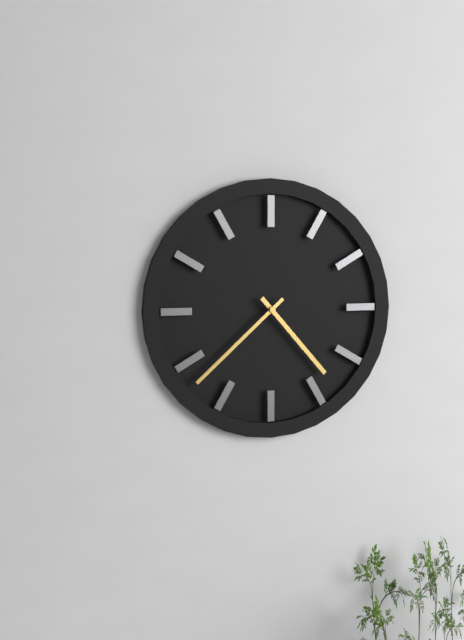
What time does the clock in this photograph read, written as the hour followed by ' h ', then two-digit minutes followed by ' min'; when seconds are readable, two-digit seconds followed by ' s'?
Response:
4 h 38 min
